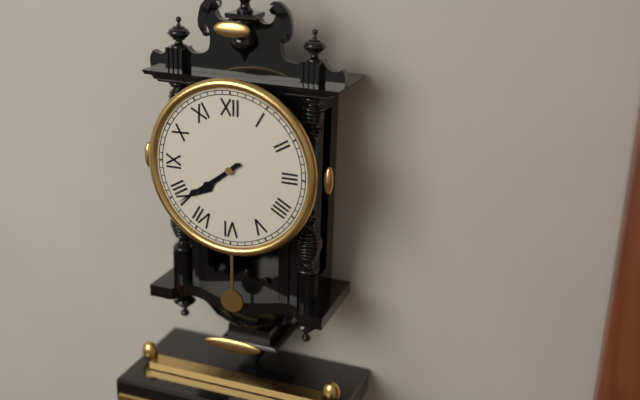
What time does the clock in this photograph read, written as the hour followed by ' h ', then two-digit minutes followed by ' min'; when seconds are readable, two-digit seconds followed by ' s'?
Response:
7 h 39 min
